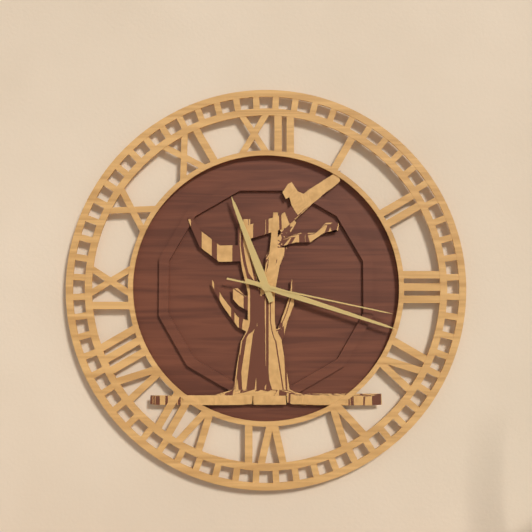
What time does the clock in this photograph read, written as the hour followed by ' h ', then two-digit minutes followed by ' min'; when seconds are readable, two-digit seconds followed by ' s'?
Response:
11 h 18 min 17 s
